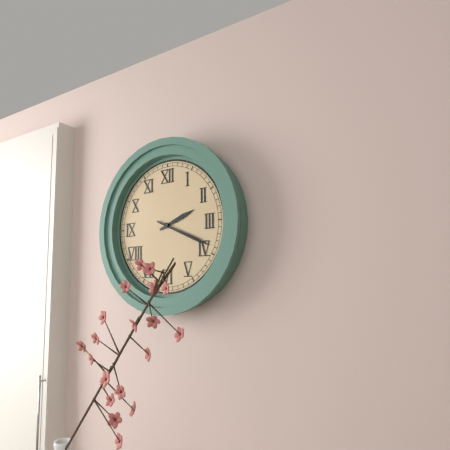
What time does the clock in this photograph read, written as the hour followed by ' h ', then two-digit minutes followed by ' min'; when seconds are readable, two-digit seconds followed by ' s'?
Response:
2 h 19 min
